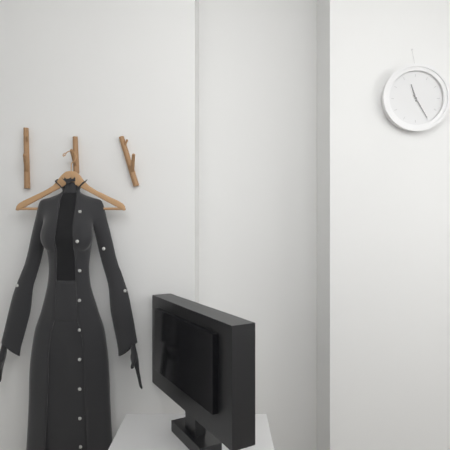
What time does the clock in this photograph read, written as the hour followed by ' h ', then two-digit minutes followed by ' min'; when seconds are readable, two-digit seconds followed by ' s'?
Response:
11 h 25 min
